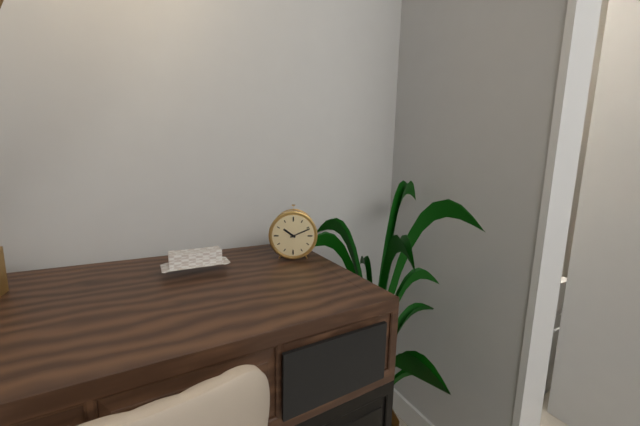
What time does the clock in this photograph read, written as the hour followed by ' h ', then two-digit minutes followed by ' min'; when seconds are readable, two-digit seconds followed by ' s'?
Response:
10 h 11 min
